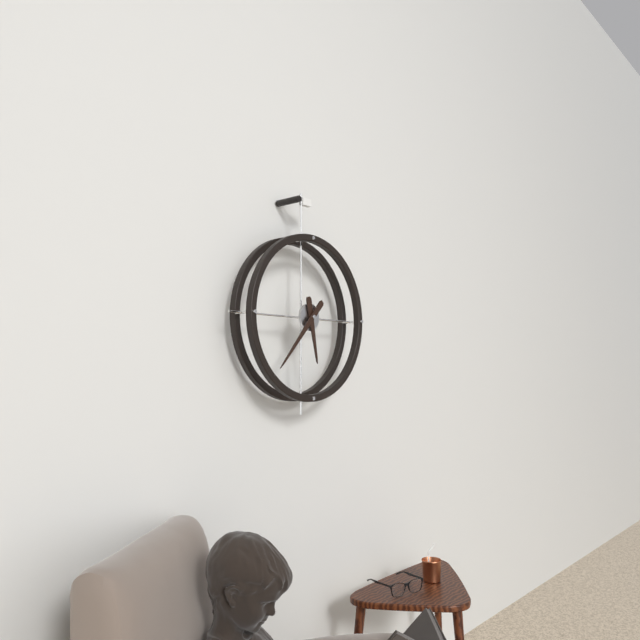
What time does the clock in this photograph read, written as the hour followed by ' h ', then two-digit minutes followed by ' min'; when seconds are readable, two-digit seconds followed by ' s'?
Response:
5 h 37 min
